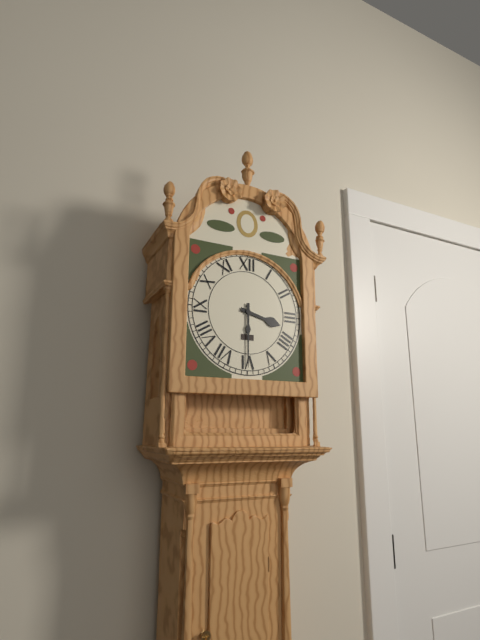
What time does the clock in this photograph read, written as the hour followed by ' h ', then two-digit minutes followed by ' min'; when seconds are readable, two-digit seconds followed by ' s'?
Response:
3 h 30 min
